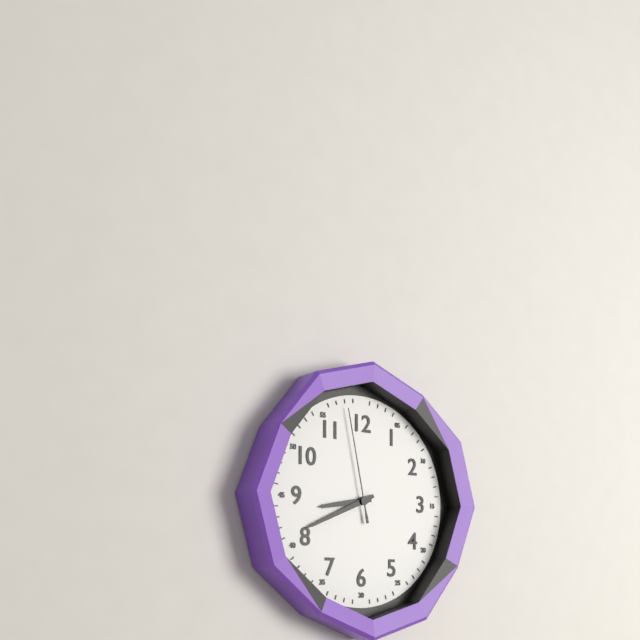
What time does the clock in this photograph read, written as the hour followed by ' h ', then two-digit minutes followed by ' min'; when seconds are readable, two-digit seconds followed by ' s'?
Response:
8 h 41 min 58 s
